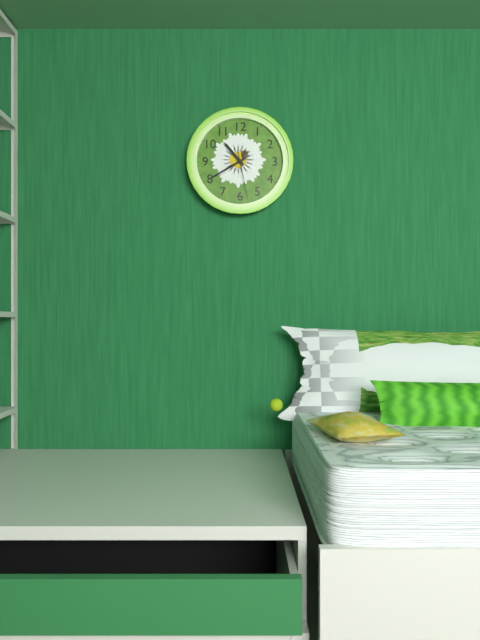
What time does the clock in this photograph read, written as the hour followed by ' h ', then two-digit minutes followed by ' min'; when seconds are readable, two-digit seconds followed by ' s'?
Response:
10 h 40 min
